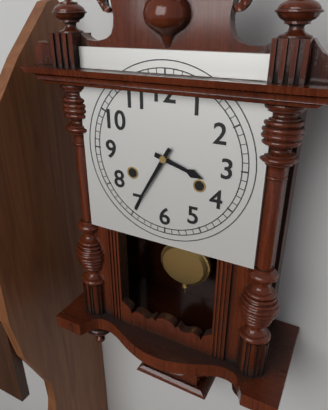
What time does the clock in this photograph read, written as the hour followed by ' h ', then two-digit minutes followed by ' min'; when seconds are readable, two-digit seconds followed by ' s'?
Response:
3 h 35 min
